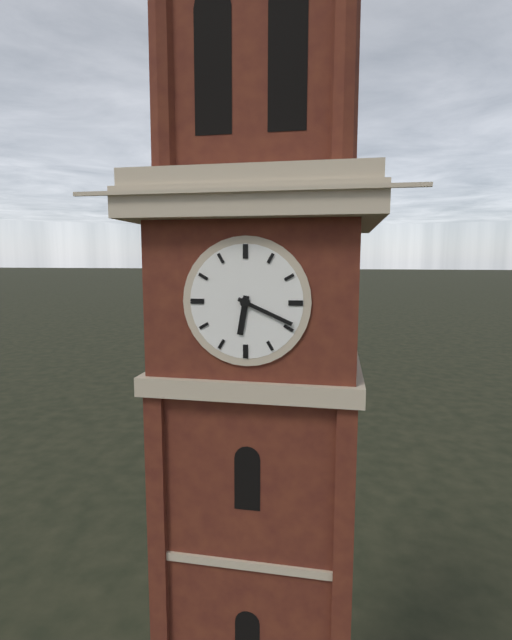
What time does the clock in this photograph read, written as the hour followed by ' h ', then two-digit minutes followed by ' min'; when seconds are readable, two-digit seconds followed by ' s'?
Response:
6 h 19 min
